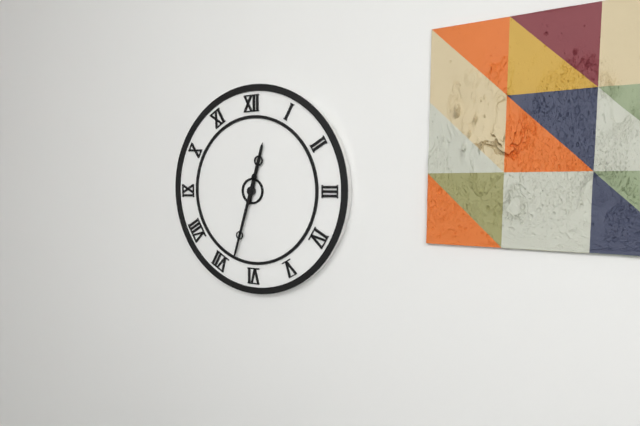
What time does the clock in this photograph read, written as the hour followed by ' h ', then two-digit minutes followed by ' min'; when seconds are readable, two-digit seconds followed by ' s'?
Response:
12 h 33 min
